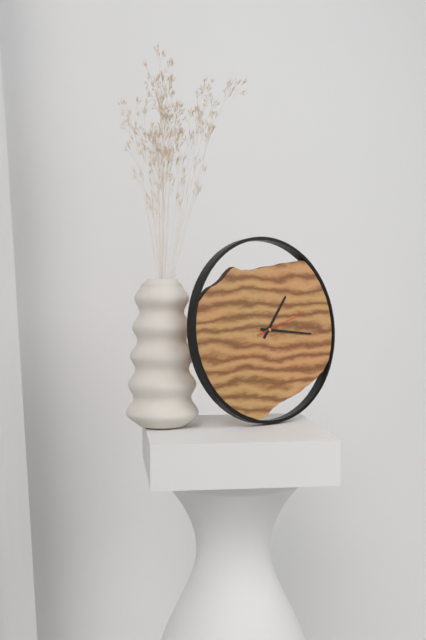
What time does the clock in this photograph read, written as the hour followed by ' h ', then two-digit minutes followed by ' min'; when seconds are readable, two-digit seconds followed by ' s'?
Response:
1 h 16 min 12 s
